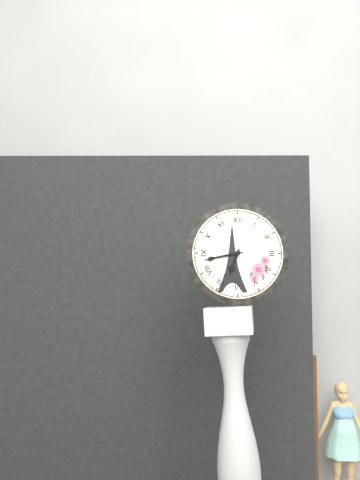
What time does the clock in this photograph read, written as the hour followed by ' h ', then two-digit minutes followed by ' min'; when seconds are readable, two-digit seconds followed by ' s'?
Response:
6 h 43 min
